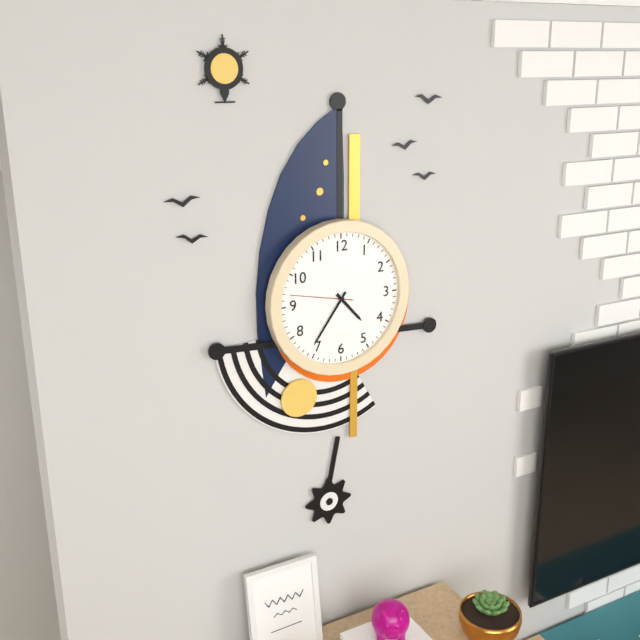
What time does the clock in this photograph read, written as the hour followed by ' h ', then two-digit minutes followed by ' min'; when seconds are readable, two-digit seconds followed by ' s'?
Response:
4 h 36 min 47 s
